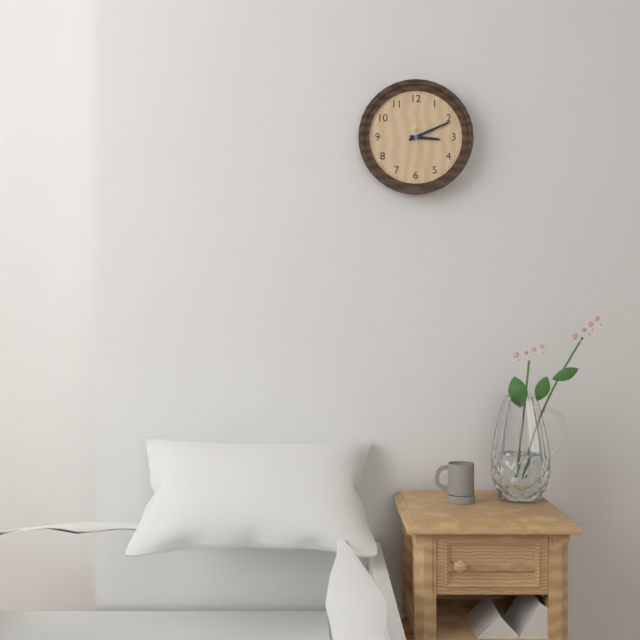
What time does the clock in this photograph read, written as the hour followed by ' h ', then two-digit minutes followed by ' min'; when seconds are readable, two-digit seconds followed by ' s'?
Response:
3 h 11 min
